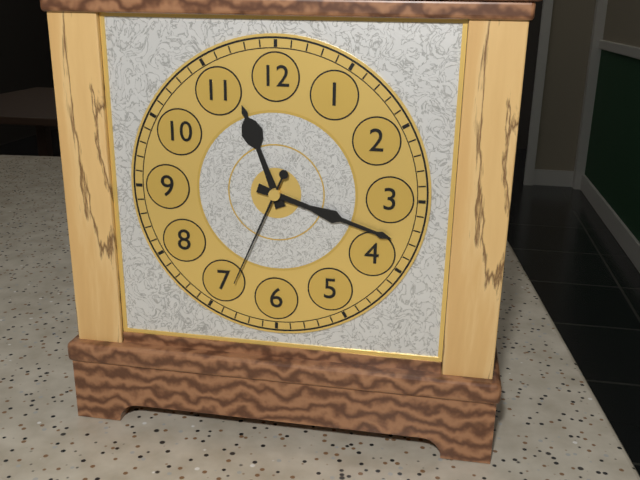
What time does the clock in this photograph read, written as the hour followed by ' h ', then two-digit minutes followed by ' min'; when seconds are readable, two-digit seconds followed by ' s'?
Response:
11 h 18 min 34 s
